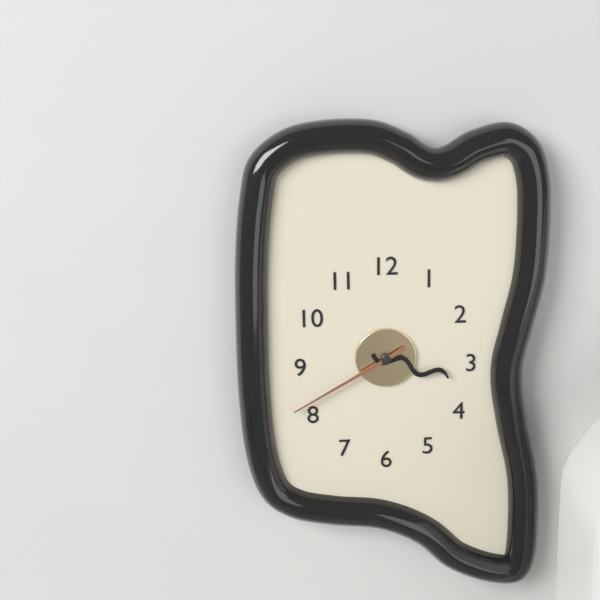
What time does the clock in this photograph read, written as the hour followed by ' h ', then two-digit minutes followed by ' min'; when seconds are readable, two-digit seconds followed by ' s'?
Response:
3 h 40 min
